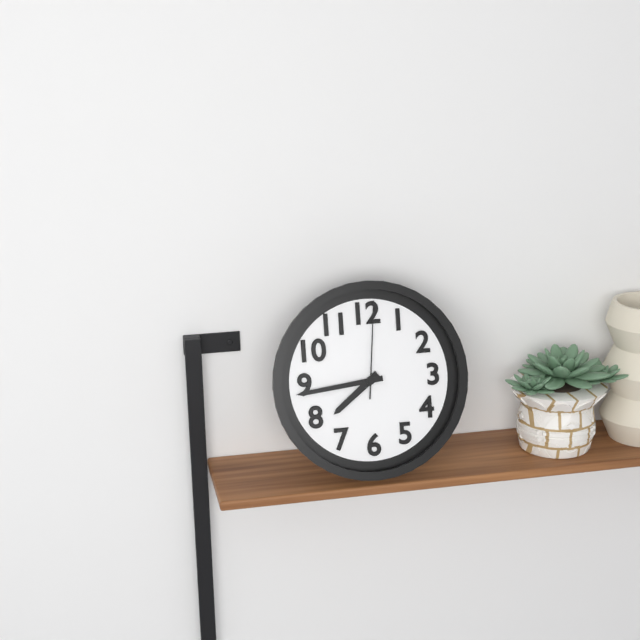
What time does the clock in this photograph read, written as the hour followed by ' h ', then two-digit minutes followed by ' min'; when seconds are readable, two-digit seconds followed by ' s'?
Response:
7 h 44 min 01 s
